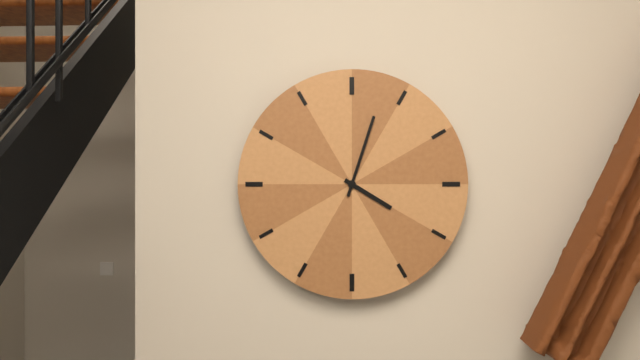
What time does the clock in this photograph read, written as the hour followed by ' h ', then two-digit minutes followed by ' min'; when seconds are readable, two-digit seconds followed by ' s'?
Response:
4 h 03 min
